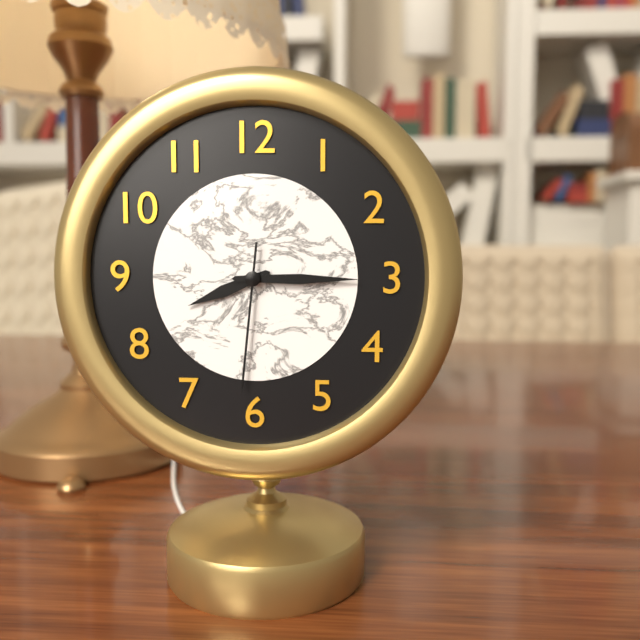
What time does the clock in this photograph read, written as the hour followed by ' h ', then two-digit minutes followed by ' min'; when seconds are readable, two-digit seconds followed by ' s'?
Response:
8 h 15 min 31 s
